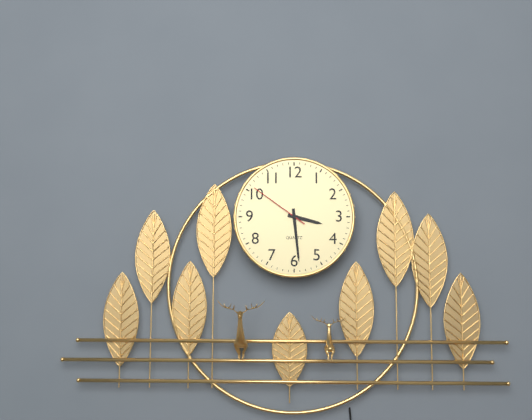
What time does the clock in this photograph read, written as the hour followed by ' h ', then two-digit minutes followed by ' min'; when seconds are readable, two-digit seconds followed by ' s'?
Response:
3 h 29 min 51 s
